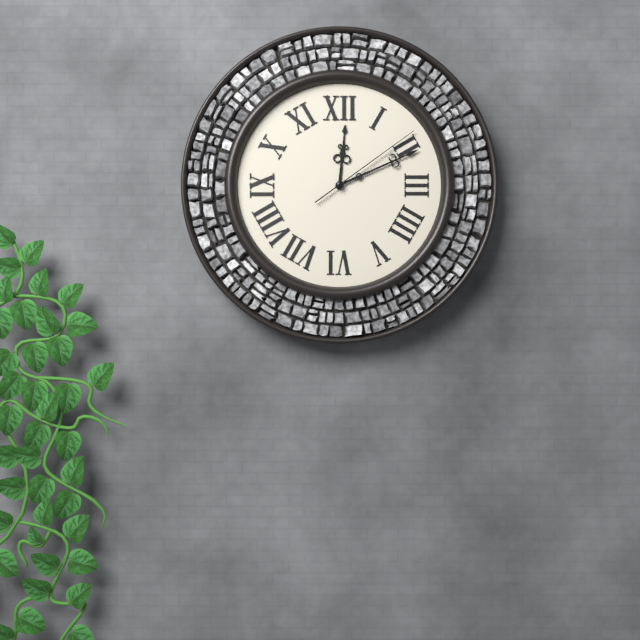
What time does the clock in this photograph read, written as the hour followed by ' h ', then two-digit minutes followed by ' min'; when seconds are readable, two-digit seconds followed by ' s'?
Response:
12 h 11 min 09 s
